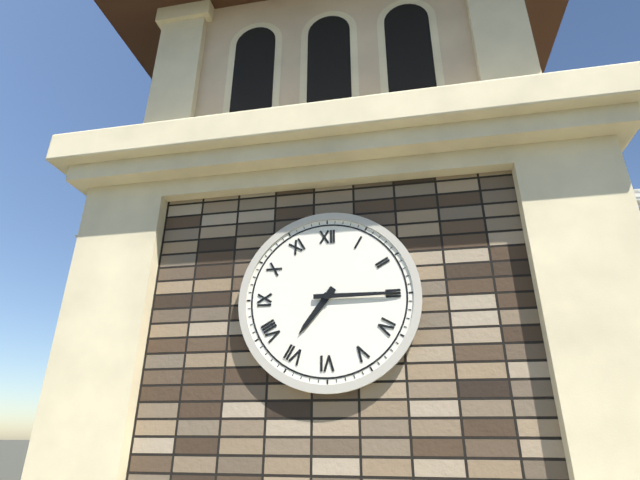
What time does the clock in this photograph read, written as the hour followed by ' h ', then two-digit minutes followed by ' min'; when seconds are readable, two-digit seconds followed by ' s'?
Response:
7 h 15 min
